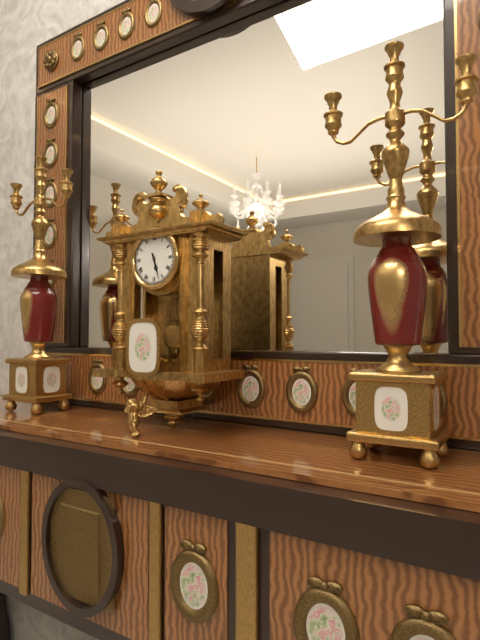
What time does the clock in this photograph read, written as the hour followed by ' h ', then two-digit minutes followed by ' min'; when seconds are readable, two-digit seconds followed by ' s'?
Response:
5 h 27 min
